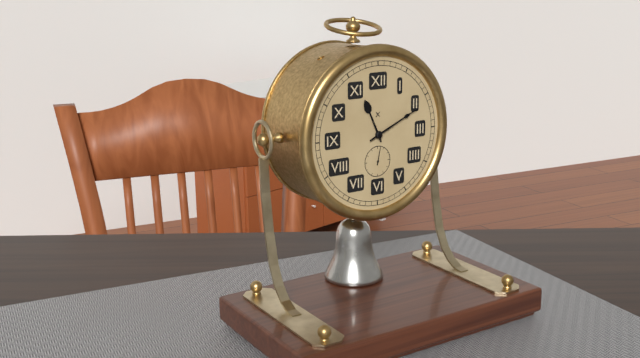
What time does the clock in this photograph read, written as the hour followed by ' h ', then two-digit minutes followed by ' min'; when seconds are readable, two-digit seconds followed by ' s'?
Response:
11 h 11 min
